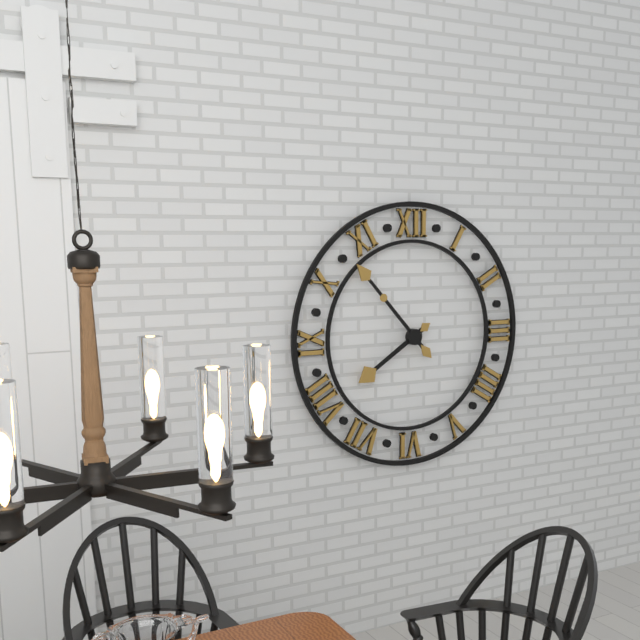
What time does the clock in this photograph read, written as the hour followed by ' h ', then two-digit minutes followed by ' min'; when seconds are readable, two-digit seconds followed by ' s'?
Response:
7 h 53 min
